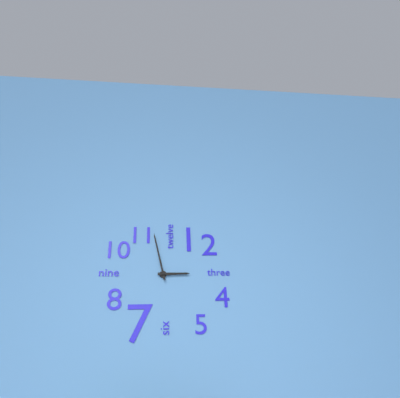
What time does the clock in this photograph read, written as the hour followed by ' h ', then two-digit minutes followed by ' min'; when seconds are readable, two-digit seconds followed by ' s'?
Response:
2 h 58 min
